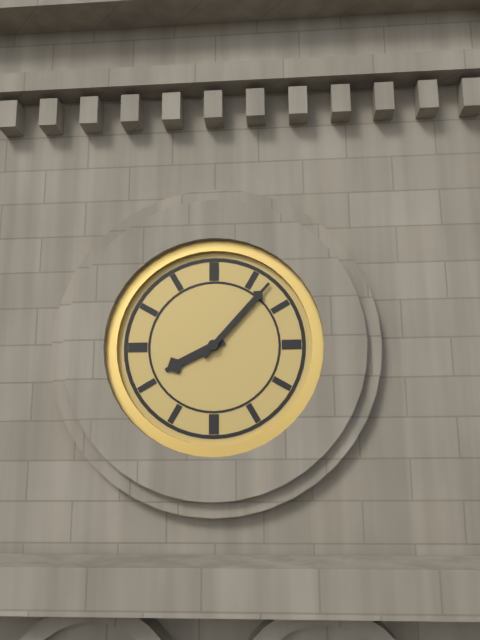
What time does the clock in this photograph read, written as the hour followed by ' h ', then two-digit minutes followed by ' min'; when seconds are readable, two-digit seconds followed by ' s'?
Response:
8 h 07 min
